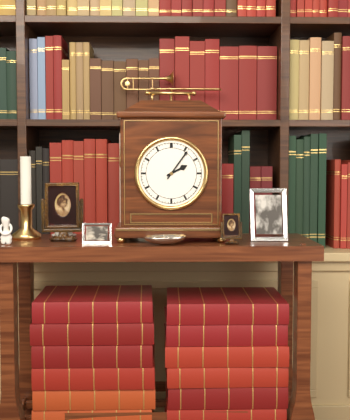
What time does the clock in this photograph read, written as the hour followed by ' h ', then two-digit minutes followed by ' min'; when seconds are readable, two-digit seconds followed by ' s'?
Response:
2 h 06 min
